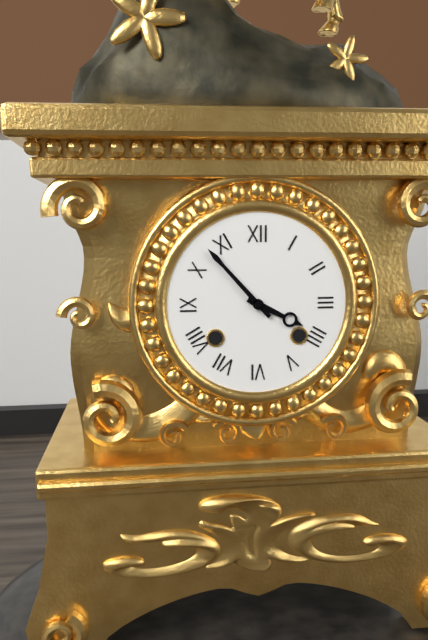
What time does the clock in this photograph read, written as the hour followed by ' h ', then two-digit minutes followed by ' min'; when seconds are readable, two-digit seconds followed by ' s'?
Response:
3 h 53 min
